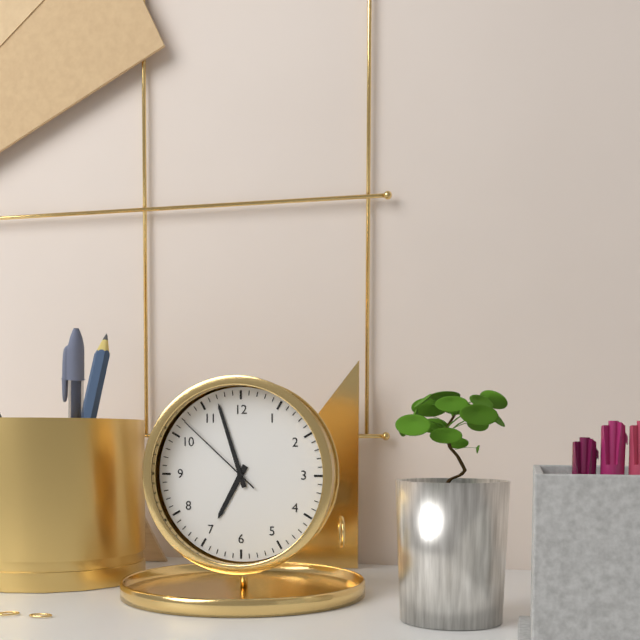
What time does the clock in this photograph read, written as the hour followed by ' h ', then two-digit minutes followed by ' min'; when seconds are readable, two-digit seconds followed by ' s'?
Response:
6 h 57 min 52 s
